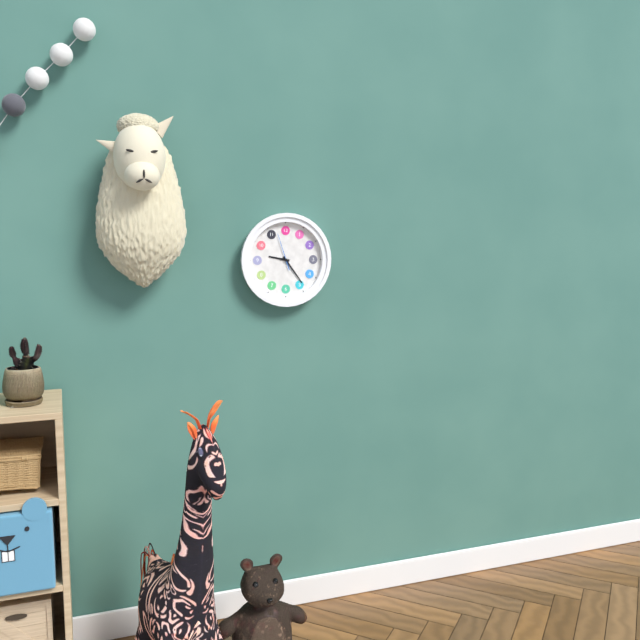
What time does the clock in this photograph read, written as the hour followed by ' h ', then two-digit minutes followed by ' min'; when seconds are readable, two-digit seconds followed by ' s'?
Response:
9 h 24 min
